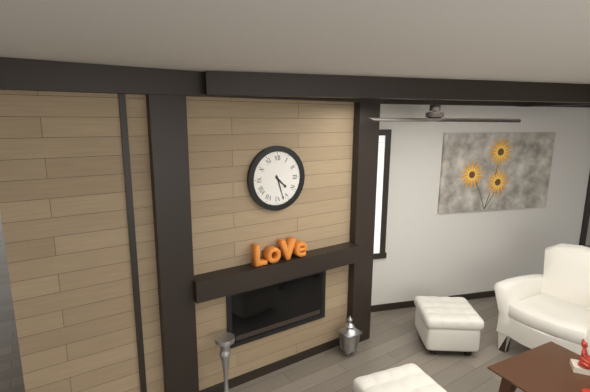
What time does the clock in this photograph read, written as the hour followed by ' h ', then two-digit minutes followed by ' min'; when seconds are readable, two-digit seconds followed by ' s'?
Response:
4 h 27 min
